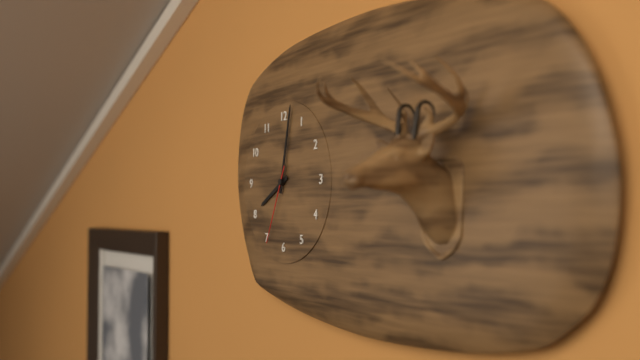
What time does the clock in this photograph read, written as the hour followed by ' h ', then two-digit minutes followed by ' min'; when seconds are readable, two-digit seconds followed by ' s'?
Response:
8 h 02 min 34 s
